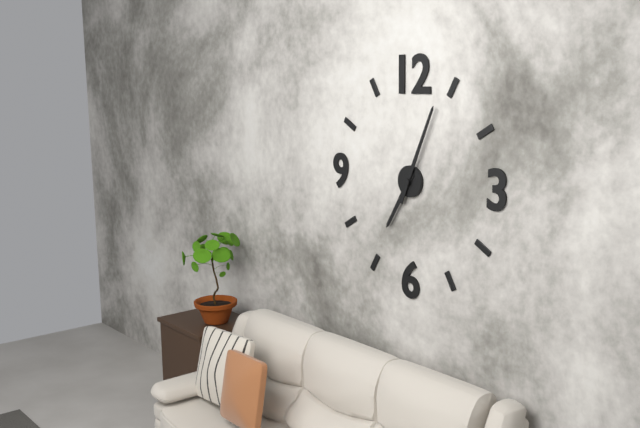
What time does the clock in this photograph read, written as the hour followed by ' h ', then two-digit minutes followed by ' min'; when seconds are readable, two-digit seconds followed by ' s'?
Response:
7 h 04 min
